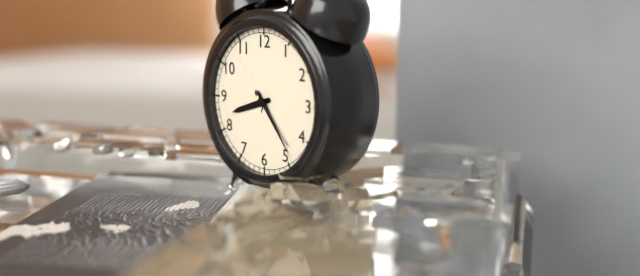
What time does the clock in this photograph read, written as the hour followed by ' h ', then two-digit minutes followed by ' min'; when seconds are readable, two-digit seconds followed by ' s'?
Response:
8 h 24 min 23 s
